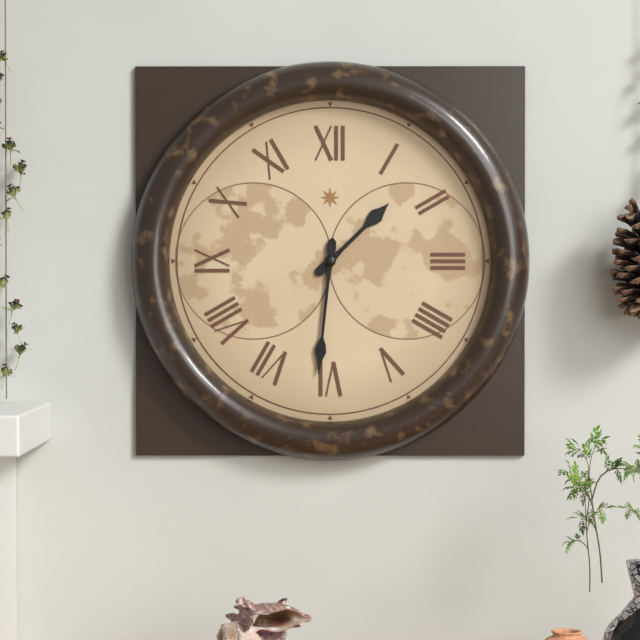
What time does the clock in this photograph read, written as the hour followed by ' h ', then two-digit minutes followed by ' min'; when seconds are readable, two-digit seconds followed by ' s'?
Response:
1 h 31 min
